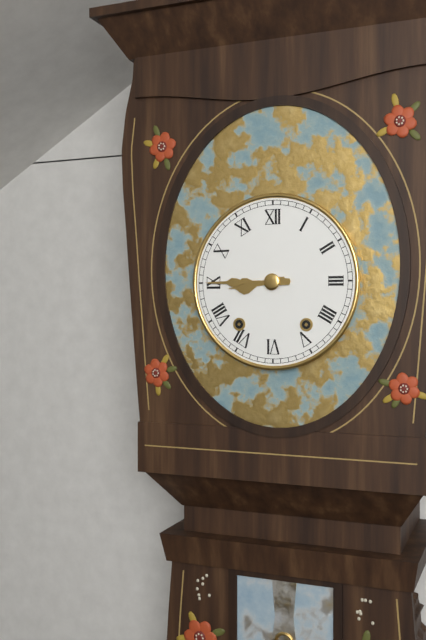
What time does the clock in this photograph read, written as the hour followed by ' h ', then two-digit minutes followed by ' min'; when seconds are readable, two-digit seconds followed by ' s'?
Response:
8 h 45 min
